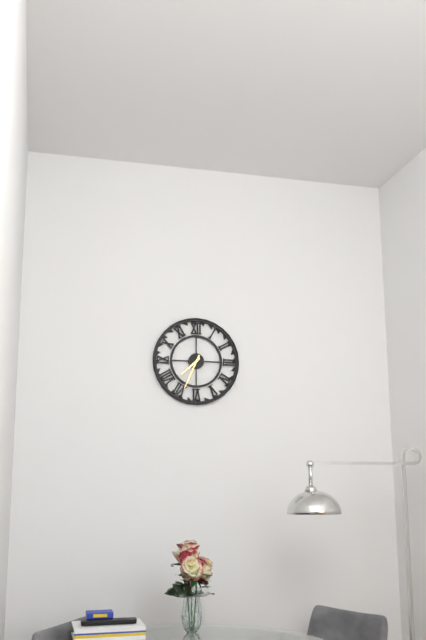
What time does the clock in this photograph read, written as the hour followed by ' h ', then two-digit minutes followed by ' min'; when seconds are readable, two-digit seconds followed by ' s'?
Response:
7 h 34 min
